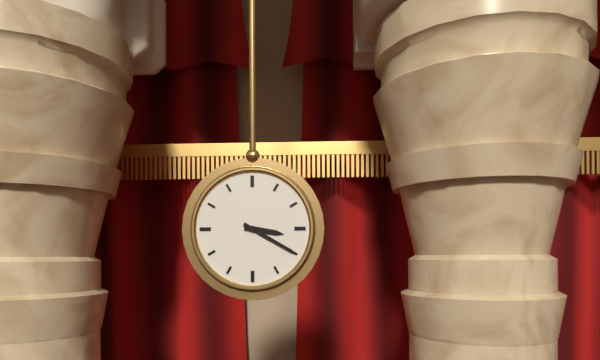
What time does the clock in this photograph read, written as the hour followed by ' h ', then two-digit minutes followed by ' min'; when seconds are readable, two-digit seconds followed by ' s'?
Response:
3 h 20 min
